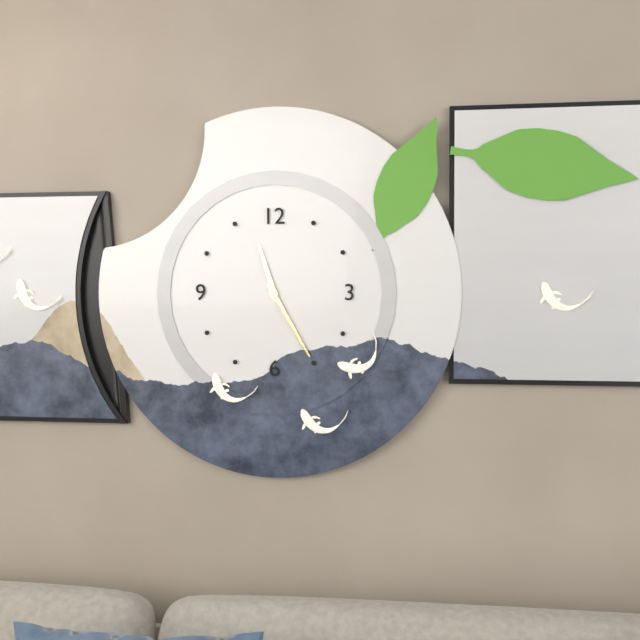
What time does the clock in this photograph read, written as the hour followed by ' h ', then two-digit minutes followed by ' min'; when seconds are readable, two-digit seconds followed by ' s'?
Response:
11 h 25 min
